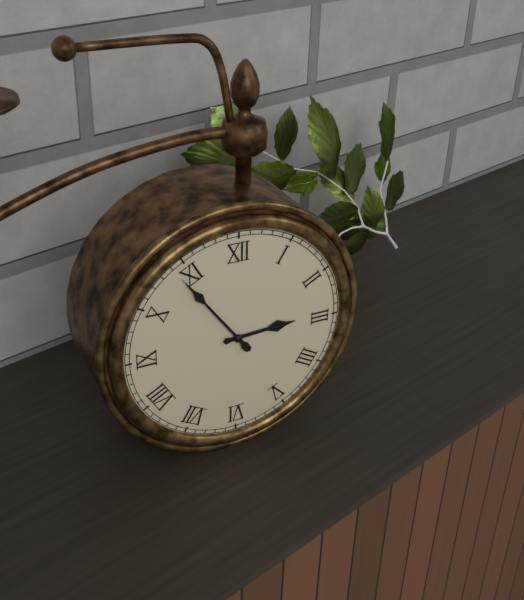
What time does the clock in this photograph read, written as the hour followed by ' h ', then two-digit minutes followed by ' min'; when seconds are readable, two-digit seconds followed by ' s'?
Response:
2 h 54 min
